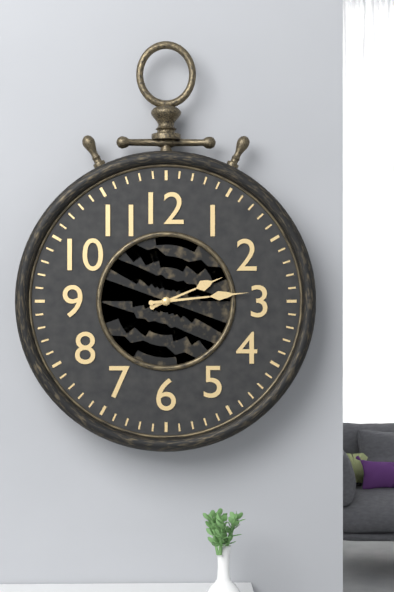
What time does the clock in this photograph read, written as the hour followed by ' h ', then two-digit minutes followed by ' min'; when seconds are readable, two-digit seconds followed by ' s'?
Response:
2 h 14 min
